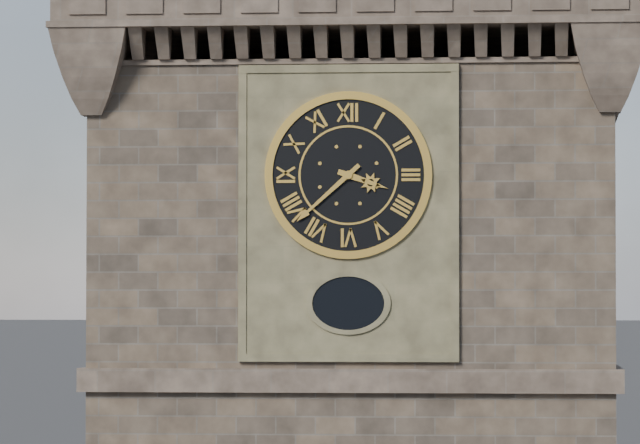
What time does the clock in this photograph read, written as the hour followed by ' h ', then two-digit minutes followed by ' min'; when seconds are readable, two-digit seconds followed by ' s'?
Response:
3 h 38 min
